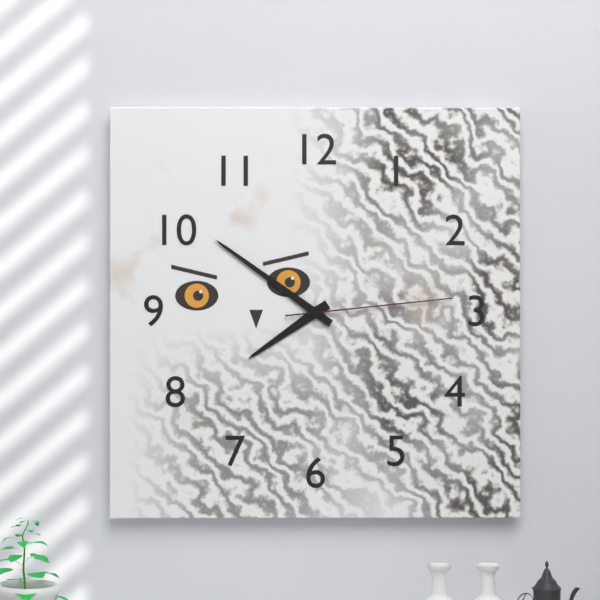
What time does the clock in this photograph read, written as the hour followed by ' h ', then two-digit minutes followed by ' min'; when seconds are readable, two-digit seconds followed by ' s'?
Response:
7 h 51 min 14 s
